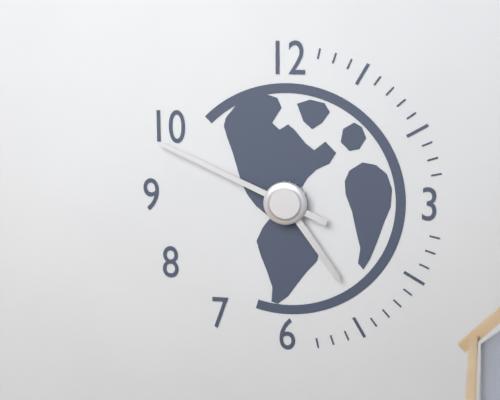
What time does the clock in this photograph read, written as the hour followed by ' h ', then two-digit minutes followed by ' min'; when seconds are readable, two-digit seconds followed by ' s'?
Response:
4 h 49 min
